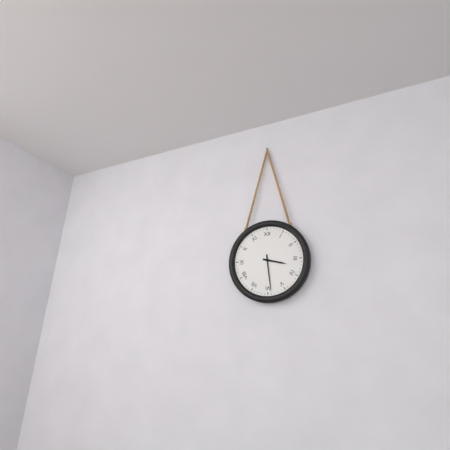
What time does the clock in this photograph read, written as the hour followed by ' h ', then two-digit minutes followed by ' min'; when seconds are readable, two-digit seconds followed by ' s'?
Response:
3 h 29 min
